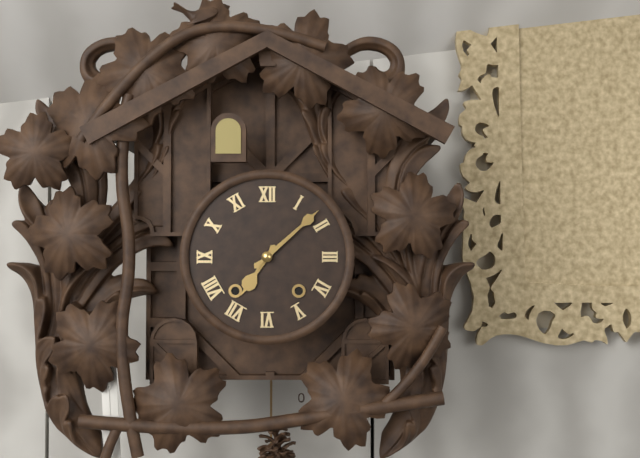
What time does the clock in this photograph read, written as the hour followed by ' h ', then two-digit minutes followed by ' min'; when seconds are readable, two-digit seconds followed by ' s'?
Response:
7 h 08 min
